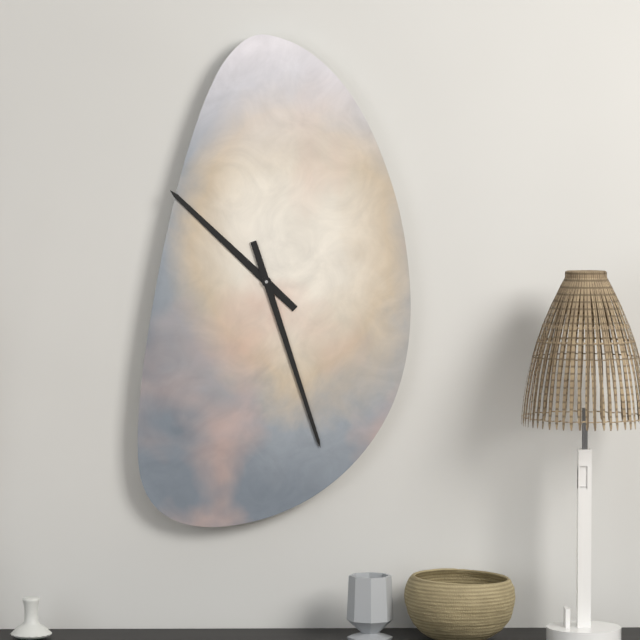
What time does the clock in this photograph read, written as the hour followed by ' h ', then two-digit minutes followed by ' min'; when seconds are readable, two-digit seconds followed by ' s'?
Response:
10 h 27 min
